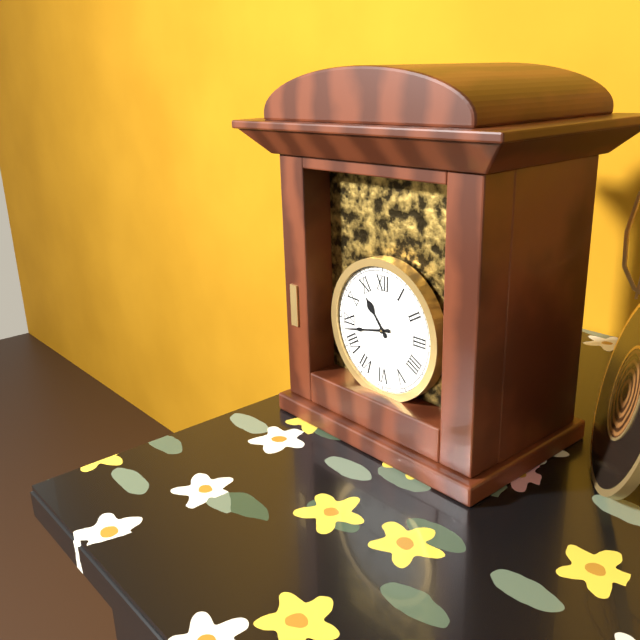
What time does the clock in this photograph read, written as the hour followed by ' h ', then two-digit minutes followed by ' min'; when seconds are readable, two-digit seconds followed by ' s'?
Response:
10 h 43 min
